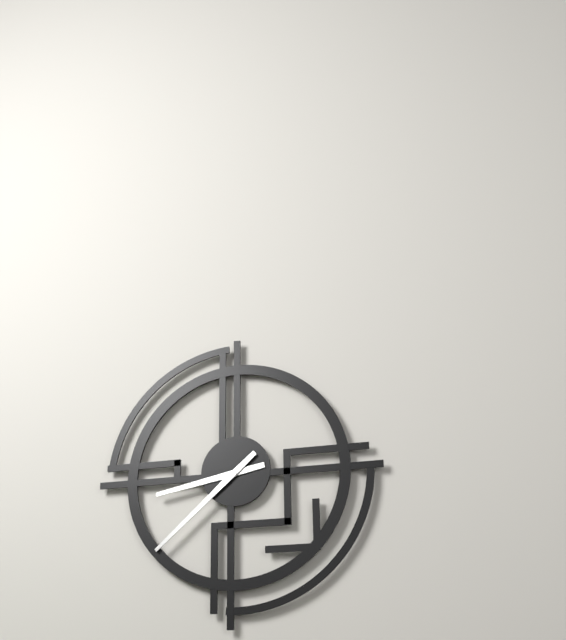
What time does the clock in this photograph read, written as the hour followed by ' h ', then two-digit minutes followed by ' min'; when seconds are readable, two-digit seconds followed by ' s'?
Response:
8 h 38 min
